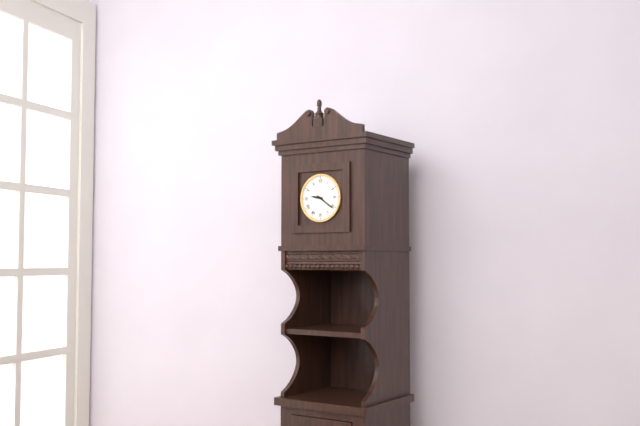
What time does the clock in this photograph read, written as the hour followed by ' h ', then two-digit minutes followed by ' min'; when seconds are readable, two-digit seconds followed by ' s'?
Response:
9 h 21 min
